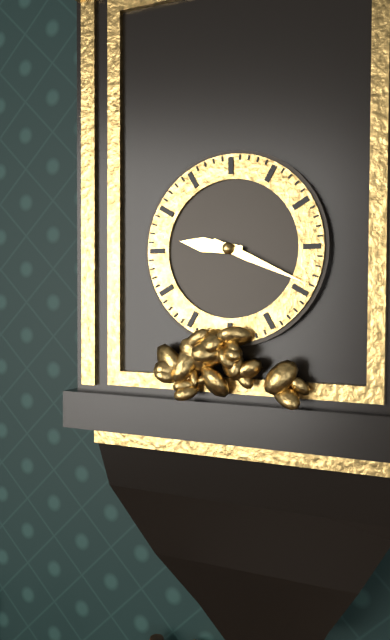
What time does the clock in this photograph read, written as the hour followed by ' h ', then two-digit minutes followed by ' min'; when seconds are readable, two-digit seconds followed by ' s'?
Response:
9 h 19 min
